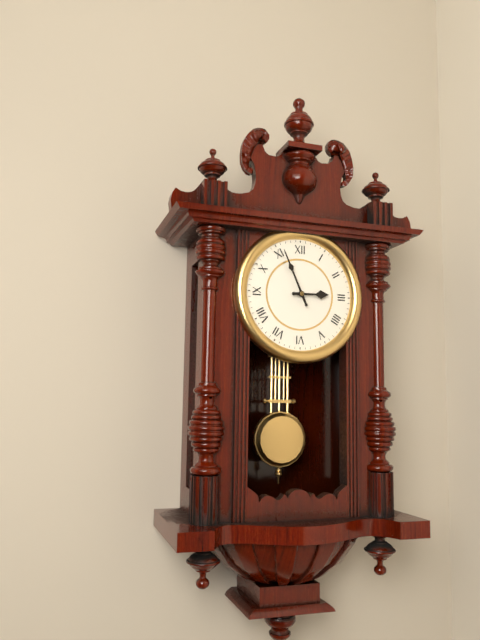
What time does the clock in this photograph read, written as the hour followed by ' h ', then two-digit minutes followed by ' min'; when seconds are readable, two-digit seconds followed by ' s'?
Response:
2 h 56 min
